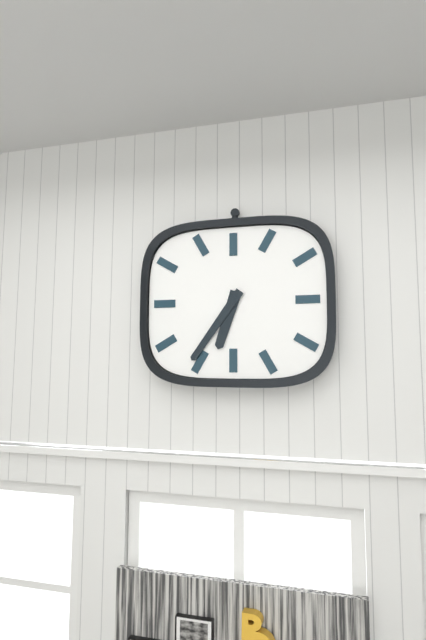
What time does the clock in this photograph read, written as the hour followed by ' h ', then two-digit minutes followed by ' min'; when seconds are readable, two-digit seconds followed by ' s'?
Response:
6 h 36 min
